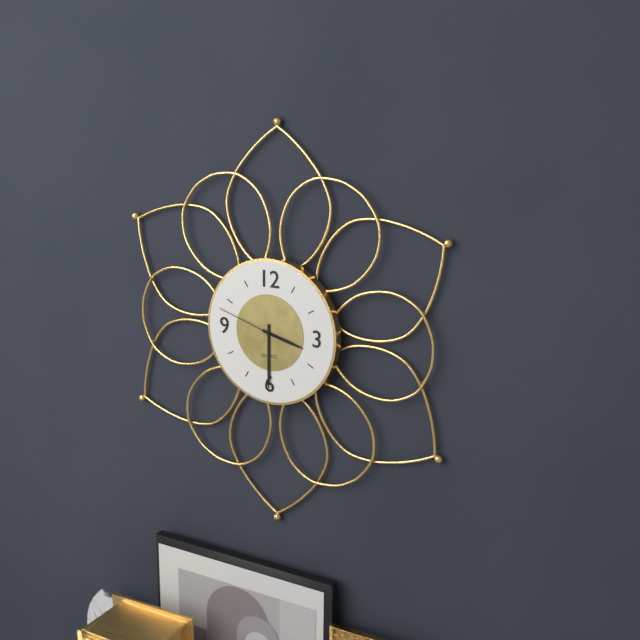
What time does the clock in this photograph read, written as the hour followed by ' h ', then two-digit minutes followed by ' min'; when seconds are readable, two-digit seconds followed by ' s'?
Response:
3 h 30 min 48 s
